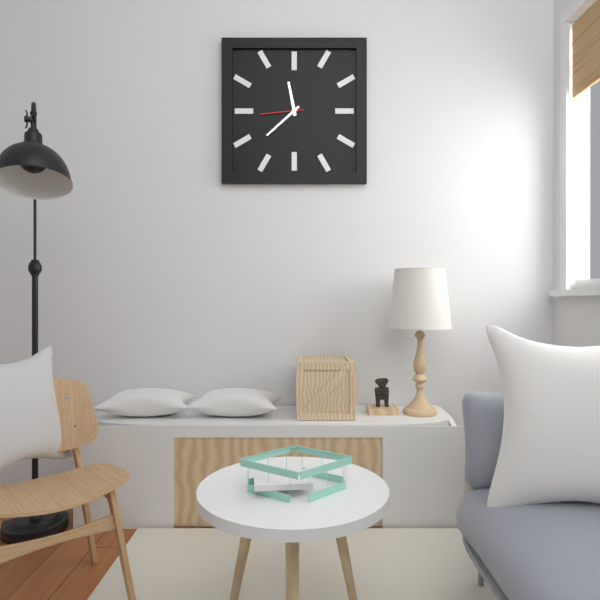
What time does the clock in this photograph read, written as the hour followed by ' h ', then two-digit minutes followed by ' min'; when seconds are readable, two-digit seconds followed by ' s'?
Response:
11 h 38 min
